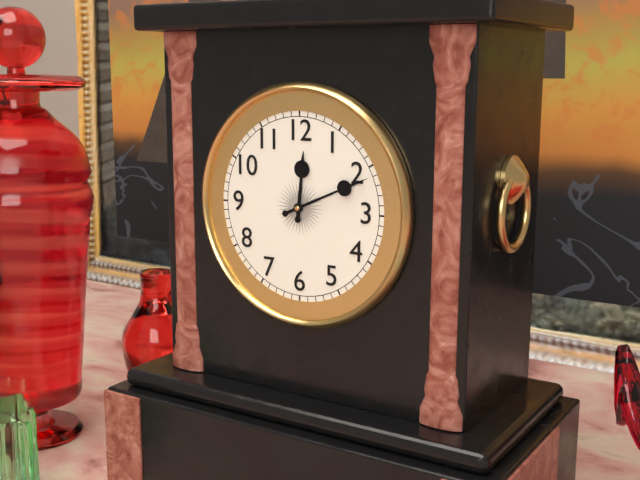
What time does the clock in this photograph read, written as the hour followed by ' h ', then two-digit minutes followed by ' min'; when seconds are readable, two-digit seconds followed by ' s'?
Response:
12 h 11 min
